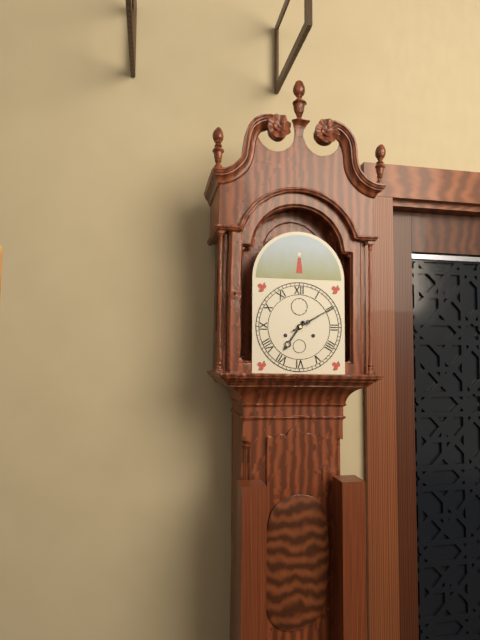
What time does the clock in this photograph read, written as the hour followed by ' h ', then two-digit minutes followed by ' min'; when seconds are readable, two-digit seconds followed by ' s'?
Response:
7 h 10 min
